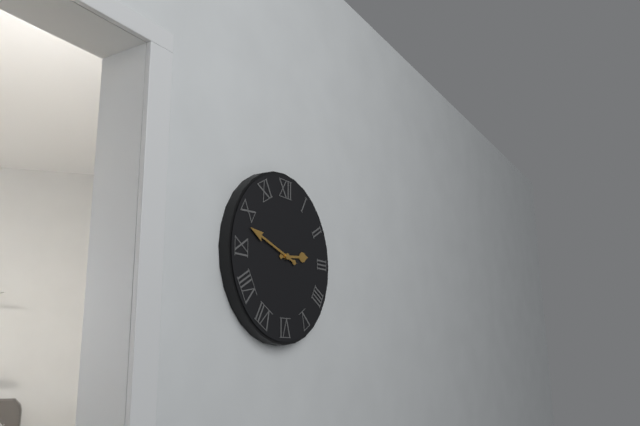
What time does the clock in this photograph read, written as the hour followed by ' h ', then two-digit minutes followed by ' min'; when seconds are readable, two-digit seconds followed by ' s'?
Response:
2 h 48 min
